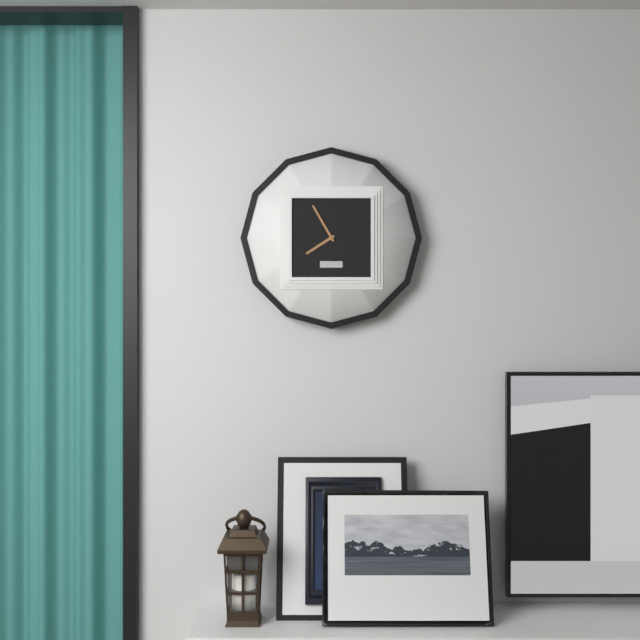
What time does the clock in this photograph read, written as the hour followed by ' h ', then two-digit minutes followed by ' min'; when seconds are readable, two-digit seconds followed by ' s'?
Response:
7 h 55 min
